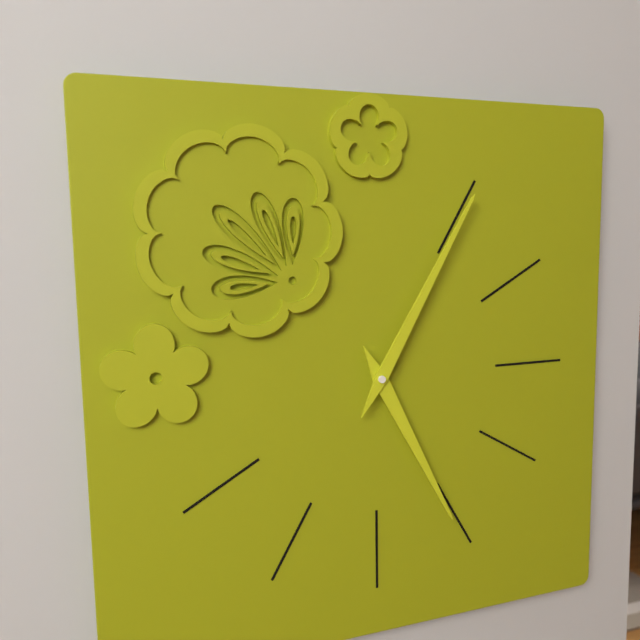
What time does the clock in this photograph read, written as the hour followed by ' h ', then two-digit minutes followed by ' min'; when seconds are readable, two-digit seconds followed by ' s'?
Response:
5 h 05 min
